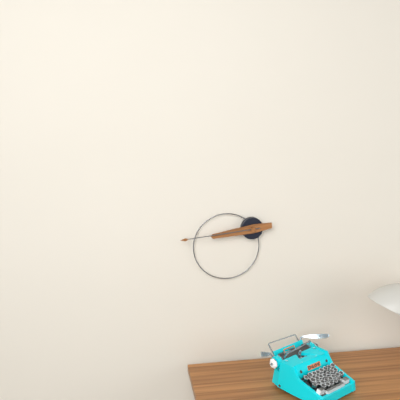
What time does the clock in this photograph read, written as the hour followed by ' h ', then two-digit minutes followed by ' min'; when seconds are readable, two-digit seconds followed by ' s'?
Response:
8 h 44 min
